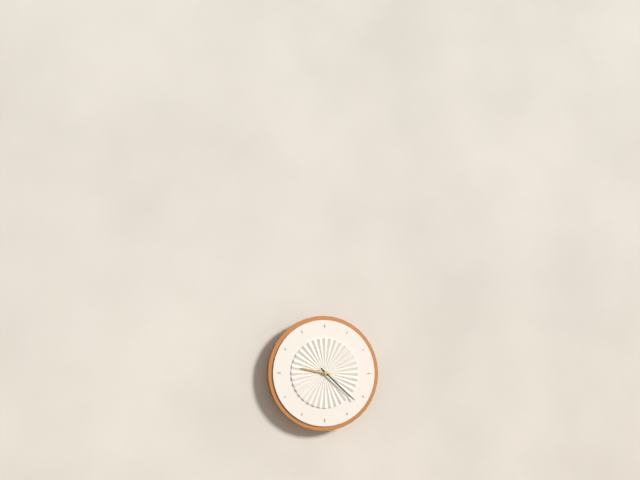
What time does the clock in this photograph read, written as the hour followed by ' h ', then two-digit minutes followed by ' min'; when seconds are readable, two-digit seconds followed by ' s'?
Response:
9 h 22 min
